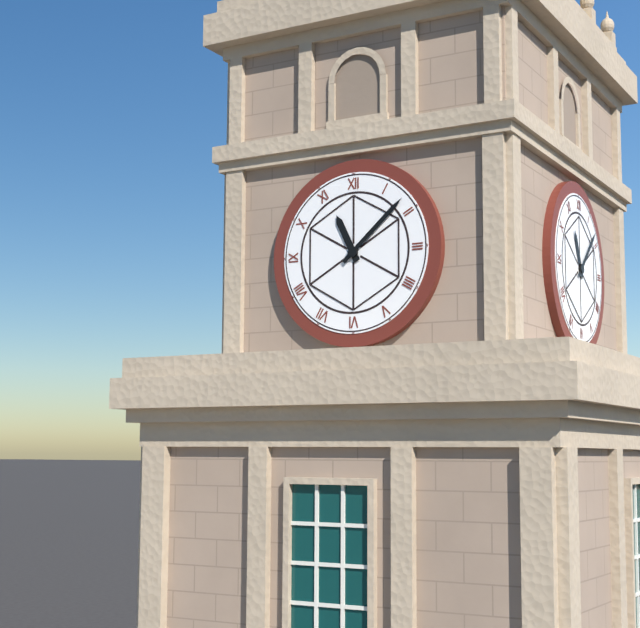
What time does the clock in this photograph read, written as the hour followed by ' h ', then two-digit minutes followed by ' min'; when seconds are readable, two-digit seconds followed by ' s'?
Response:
11 h 08 min
